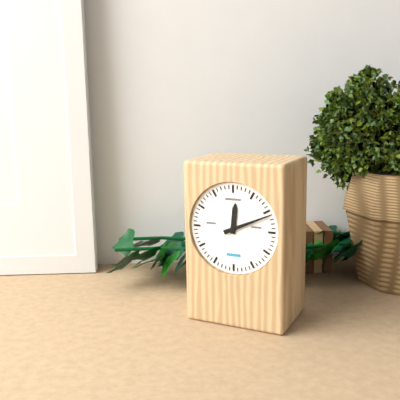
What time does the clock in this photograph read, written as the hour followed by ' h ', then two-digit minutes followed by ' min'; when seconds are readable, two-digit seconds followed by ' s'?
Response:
12 h 11 min
